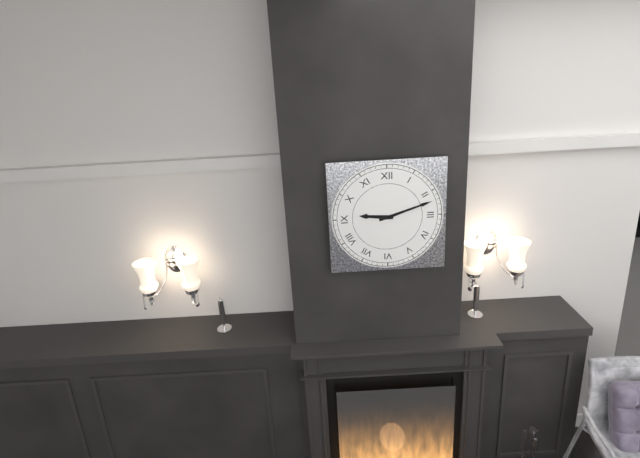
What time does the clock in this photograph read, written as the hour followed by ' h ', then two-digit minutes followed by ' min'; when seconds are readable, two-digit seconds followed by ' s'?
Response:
9 h 12 min
